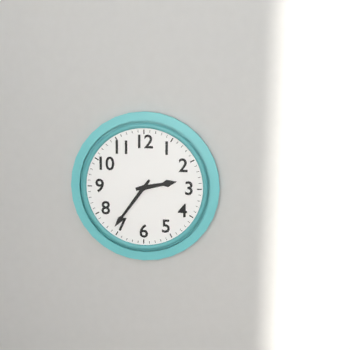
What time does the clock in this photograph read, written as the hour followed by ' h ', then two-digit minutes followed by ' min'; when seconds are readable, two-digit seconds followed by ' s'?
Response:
2 h 36 min
